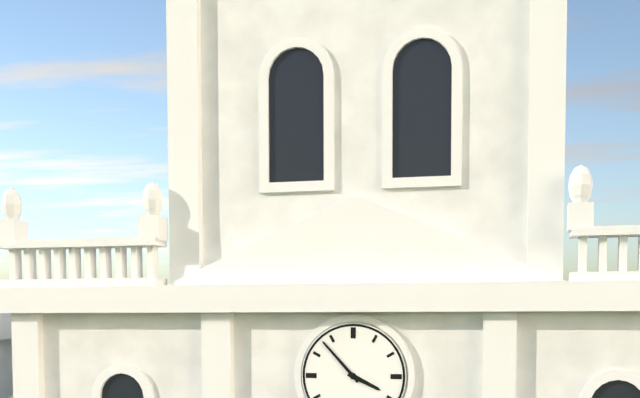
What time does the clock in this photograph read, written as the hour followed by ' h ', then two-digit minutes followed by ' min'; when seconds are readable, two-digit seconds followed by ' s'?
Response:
3 h 53 min
